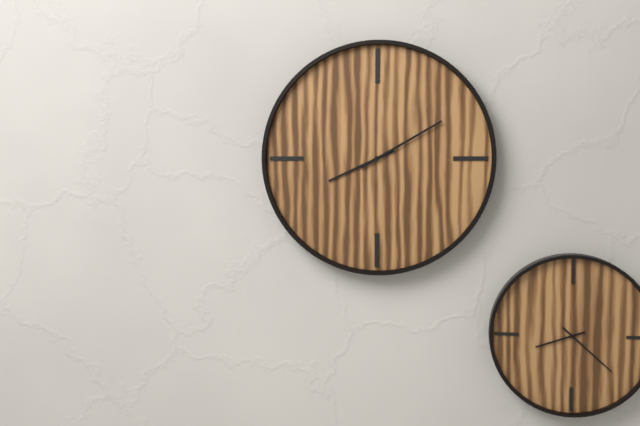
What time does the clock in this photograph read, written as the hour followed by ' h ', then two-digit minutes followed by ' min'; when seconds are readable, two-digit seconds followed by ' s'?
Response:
8 h 10 min
